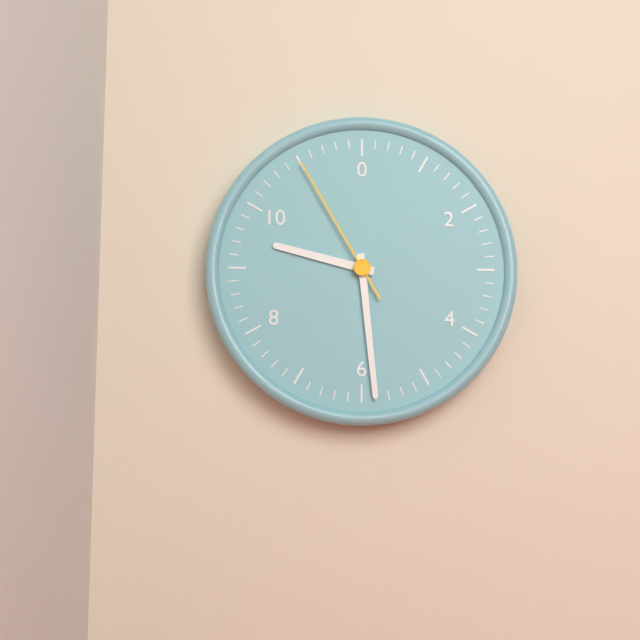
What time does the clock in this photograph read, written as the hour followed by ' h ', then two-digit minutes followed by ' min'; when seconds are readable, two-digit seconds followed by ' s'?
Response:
9 h 29 min 55 s
